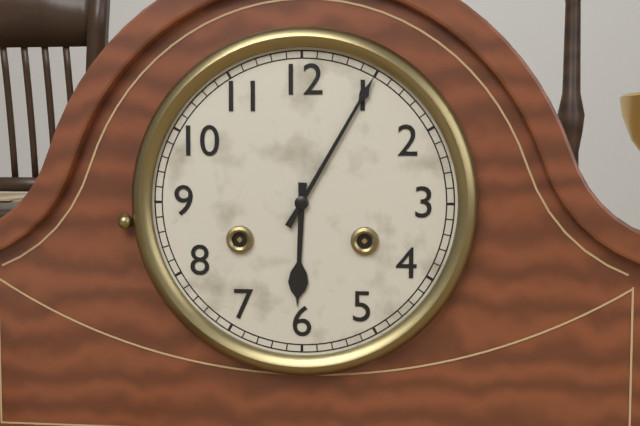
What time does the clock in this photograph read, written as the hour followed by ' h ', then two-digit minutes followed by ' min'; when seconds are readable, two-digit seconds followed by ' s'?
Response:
6 h 05 min
